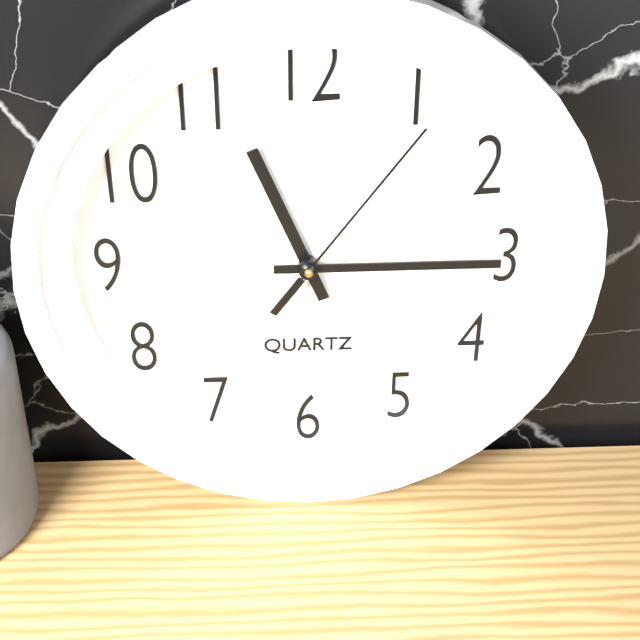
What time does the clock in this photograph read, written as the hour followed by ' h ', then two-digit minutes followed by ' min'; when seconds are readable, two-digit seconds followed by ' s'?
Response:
11 h 15 min 06 s
